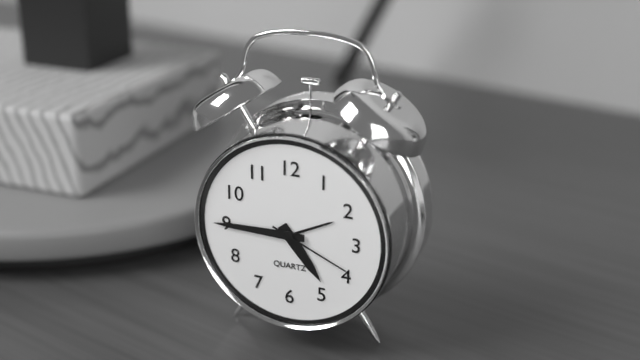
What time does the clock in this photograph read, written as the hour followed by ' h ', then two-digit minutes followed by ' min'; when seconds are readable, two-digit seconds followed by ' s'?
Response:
4 h 45 min 19 s
